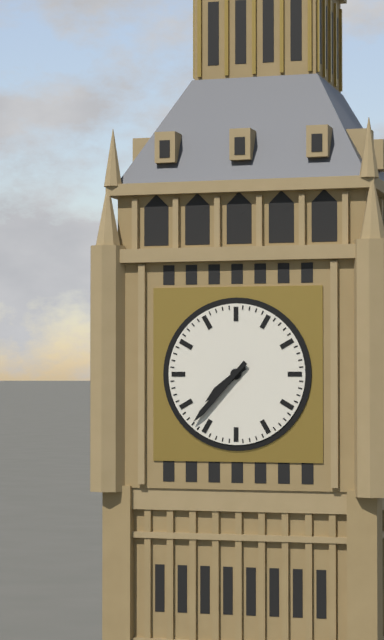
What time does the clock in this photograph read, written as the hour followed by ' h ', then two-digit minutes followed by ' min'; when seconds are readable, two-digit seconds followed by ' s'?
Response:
7 h 37 min
